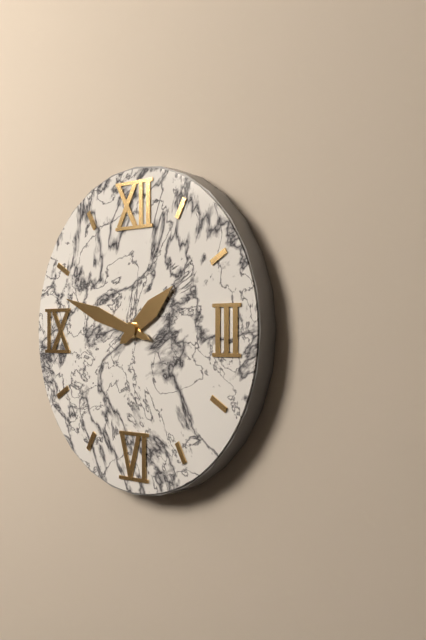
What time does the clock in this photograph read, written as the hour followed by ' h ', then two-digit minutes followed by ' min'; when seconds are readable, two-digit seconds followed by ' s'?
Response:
1 h 48 min
